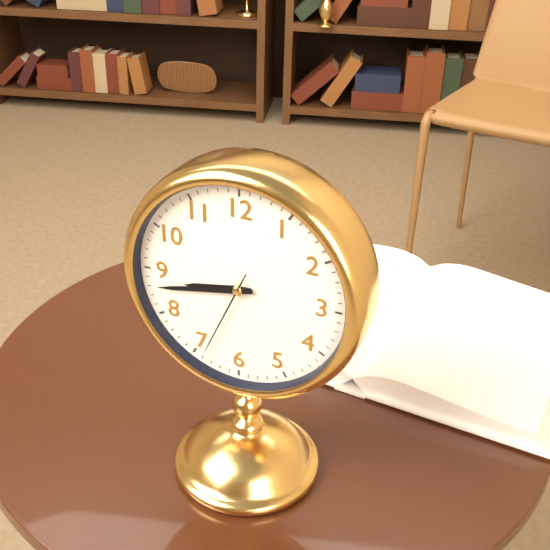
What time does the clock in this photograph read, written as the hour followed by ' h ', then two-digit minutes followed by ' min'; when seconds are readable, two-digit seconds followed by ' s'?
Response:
8 h 43 min 34 s
